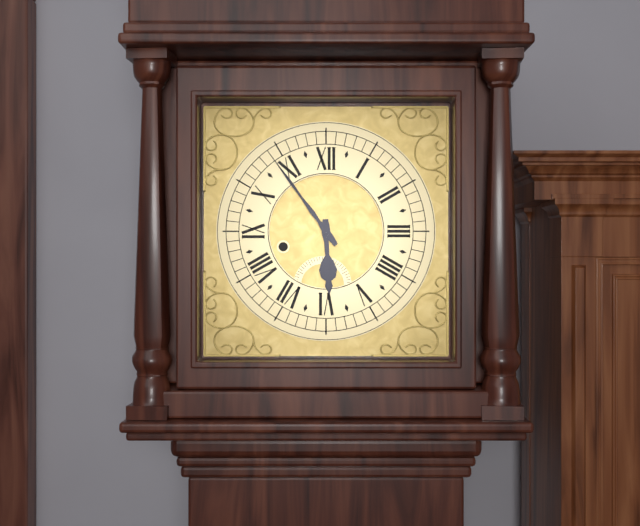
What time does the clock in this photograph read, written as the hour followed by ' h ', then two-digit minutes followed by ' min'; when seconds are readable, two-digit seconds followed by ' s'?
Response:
5 h 54 min
